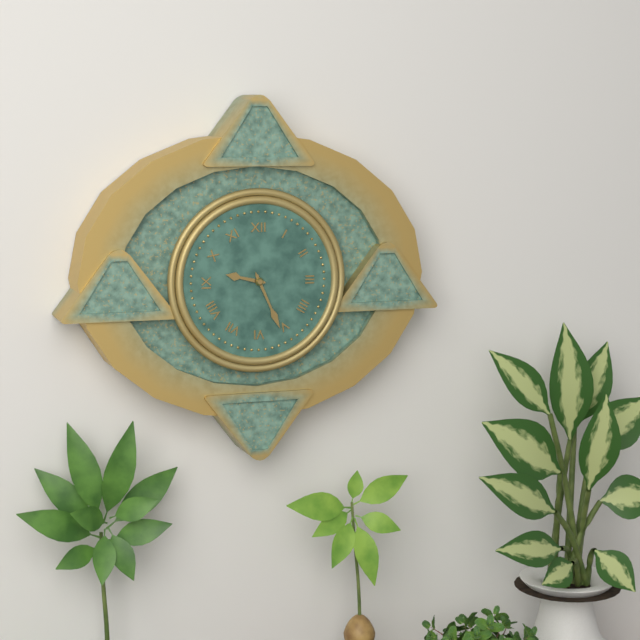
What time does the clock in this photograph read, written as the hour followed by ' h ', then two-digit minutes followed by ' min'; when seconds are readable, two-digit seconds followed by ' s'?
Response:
9 h 26 min
